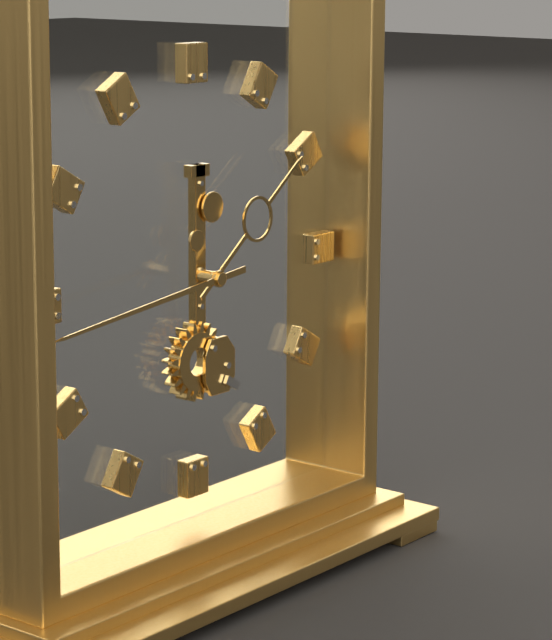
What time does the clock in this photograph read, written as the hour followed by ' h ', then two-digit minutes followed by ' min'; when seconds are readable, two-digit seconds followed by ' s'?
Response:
1 h 44 min
